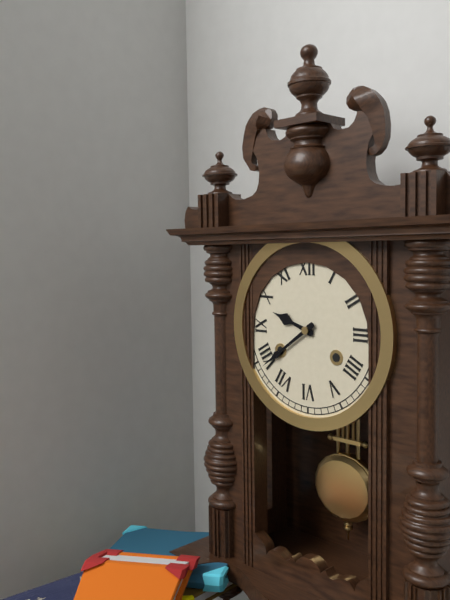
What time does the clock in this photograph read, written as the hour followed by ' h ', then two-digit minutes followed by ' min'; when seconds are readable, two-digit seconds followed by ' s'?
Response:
9 h 39 min
